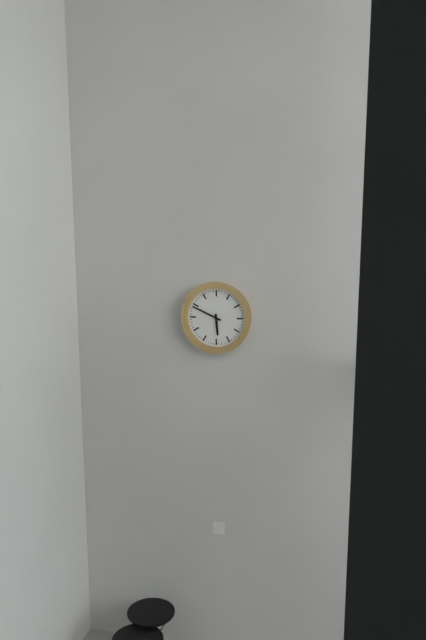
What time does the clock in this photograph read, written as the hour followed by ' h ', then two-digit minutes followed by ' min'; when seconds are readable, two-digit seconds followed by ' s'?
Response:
5 h 49 min
